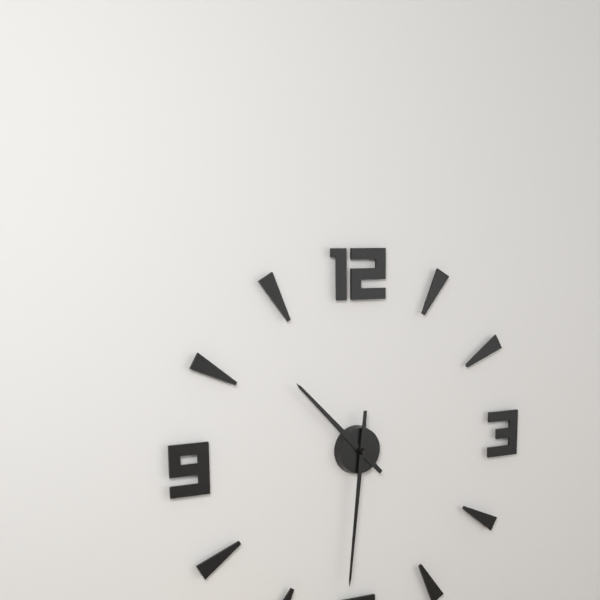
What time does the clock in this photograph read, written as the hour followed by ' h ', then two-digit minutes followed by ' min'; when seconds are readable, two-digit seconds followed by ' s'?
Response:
10 h 31 min
